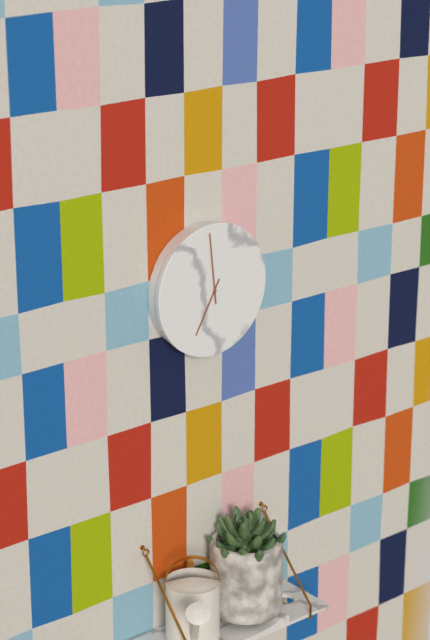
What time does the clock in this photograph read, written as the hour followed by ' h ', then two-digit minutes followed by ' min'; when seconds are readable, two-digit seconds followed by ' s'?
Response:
6 h 59 min
